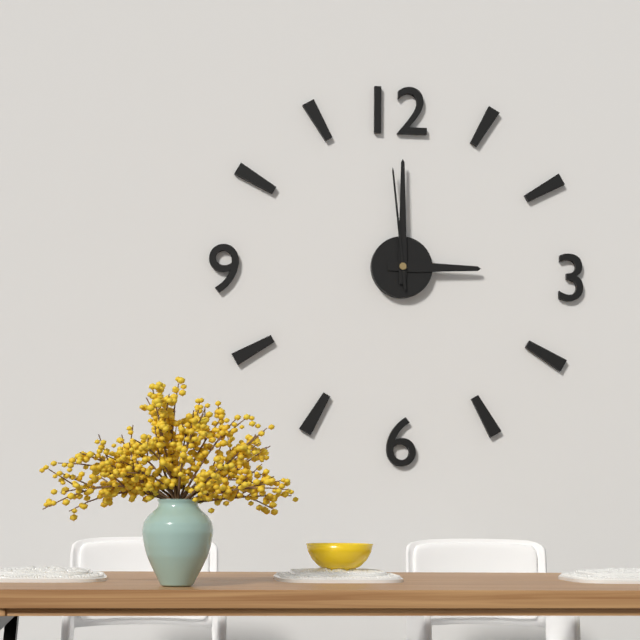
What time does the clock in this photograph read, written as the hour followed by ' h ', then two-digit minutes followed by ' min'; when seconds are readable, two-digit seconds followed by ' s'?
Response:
3 h 00 min 59 s
